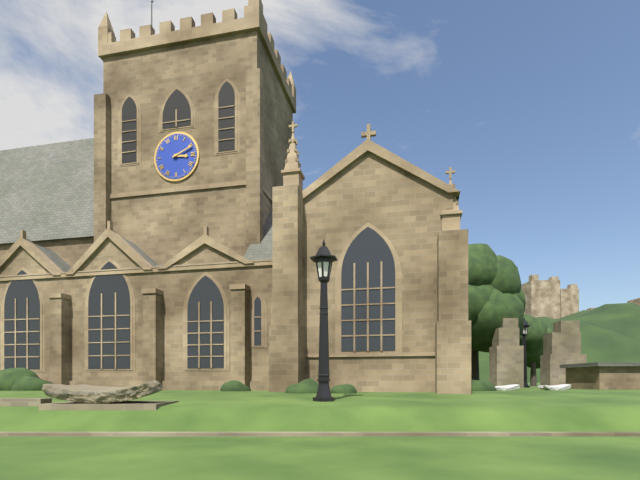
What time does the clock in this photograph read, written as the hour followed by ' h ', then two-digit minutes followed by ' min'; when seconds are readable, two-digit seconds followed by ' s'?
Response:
3 h 11 min
